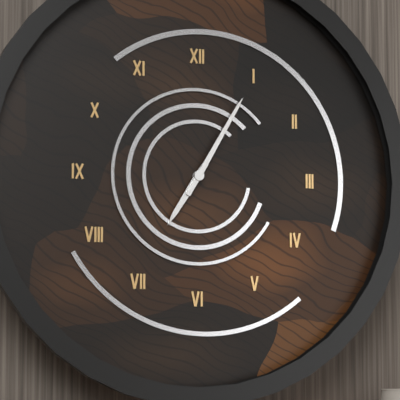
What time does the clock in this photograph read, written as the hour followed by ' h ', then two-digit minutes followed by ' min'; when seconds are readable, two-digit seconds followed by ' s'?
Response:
7 h 05 min
